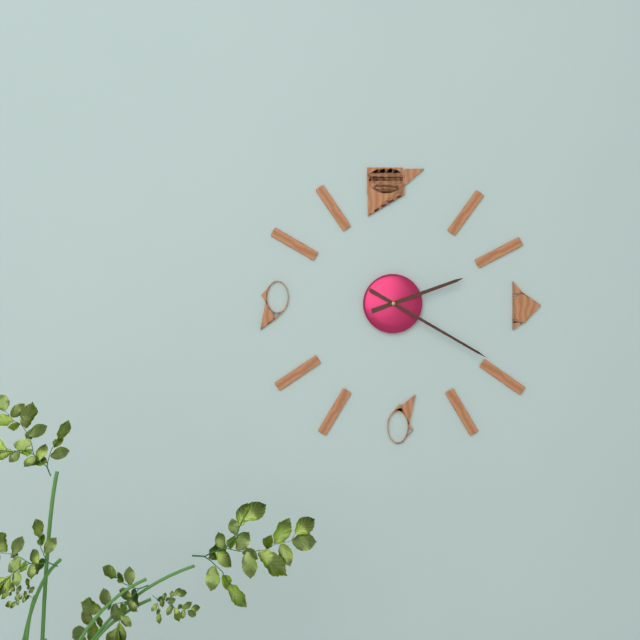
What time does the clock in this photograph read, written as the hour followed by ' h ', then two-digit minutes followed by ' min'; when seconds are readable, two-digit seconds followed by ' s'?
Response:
2 h 20 min
